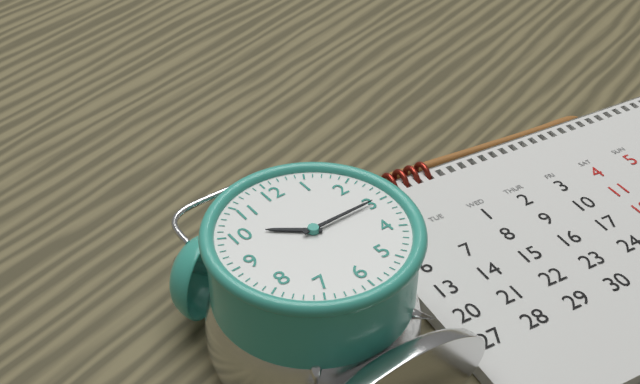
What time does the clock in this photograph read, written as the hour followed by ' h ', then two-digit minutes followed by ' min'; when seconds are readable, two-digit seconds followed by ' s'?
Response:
10 h 15 min
